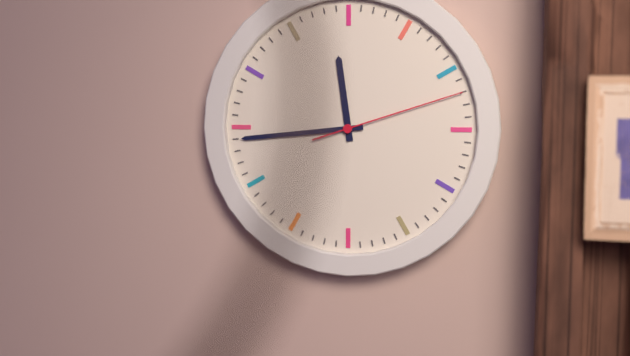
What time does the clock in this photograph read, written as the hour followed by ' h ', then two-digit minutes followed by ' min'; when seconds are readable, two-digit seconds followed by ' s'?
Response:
11 h 44 min 12 s
